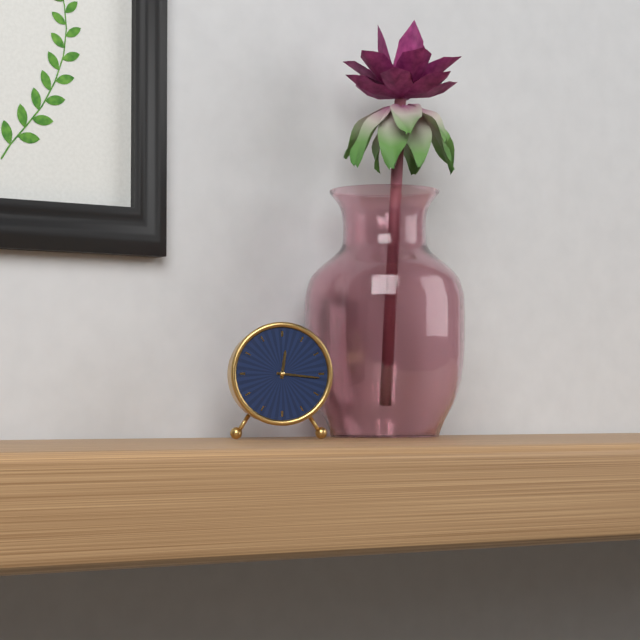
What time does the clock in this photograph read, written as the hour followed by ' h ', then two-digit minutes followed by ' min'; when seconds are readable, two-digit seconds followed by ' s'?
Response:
12 h 16 min
